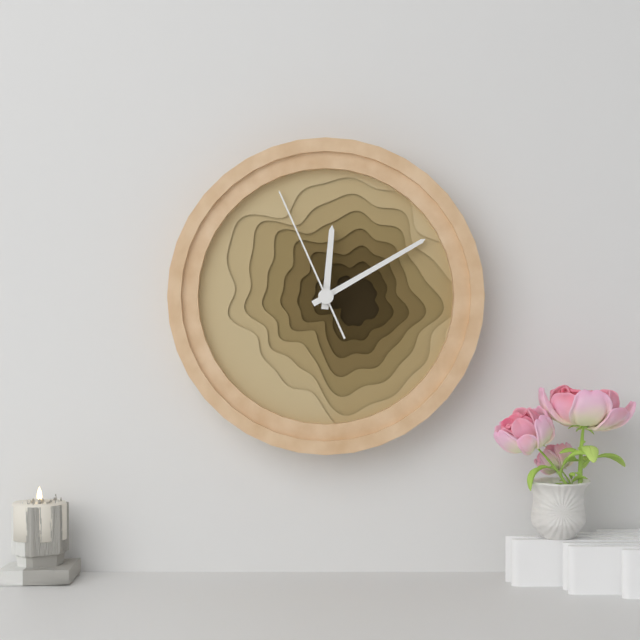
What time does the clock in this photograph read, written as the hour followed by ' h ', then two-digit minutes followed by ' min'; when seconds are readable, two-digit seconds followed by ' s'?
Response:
12 h 10 min 56 s
